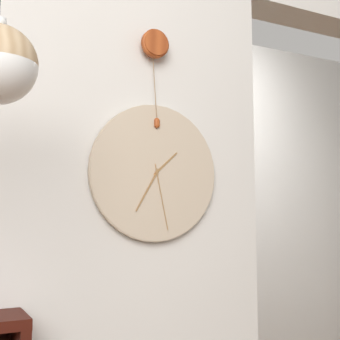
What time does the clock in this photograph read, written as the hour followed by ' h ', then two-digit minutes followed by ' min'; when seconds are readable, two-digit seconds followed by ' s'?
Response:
1 h 35 min 28 s
